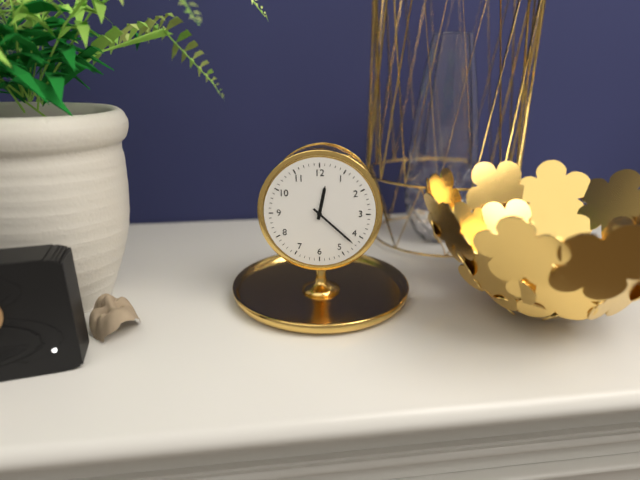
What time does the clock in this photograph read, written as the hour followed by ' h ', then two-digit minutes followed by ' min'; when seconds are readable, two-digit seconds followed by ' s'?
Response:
12 h 22 min
